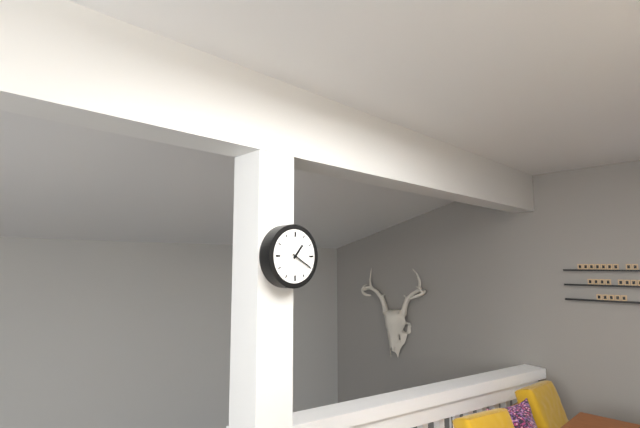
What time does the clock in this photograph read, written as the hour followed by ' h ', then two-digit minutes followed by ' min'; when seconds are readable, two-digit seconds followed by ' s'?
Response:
1 h 20 min
